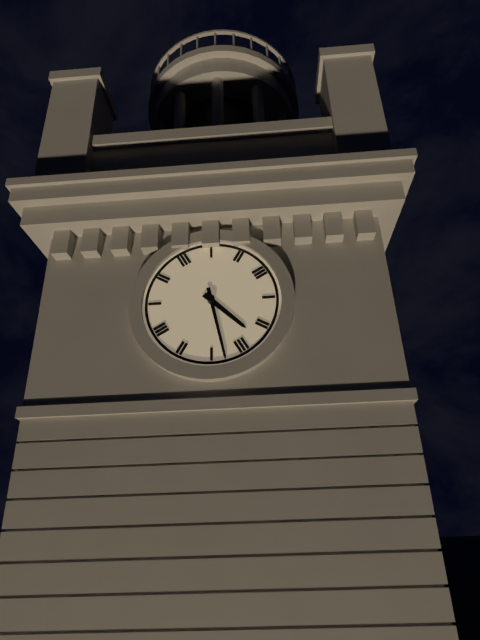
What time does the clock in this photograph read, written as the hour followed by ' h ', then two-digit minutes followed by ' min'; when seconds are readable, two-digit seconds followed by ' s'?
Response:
4 h 28 min
